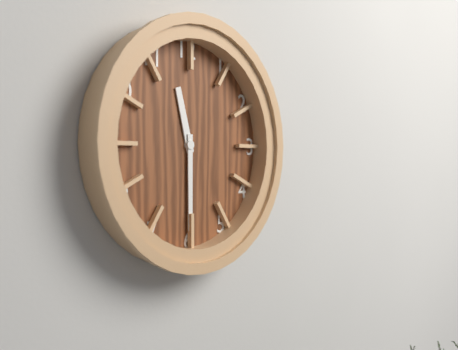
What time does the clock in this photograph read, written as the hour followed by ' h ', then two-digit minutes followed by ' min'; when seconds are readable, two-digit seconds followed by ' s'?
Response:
11 h 30 min
